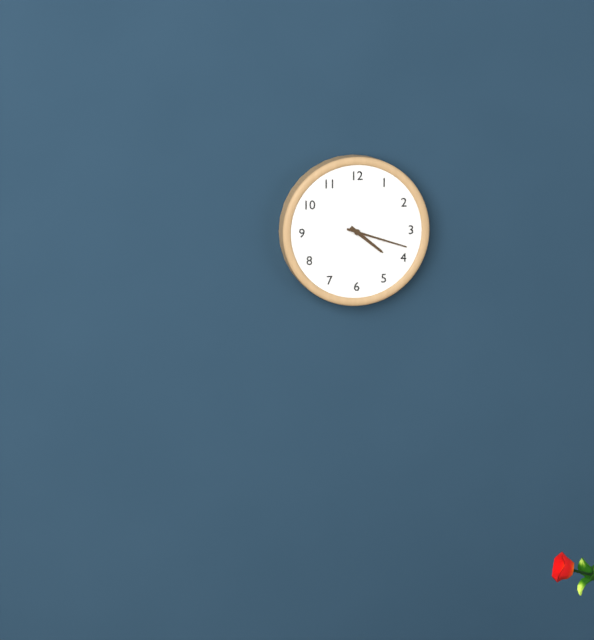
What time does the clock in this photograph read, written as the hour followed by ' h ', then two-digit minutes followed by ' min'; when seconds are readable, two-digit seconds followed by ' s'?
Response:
4 h 18 min
